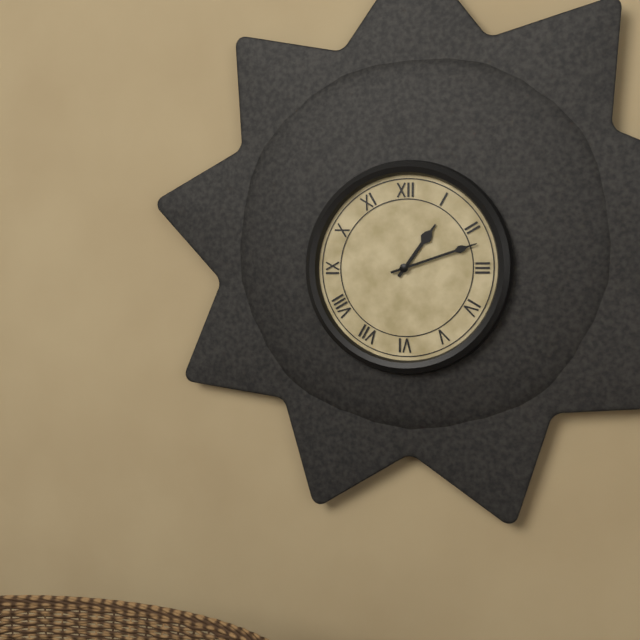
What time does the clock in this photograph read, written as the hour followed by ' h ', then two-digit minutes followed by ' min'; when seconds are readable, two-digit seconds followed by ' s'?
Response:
1 h 12 min
